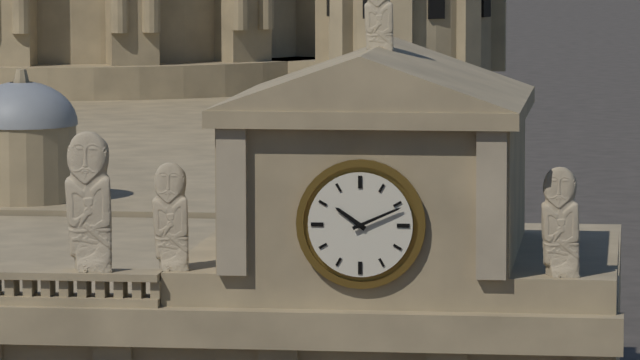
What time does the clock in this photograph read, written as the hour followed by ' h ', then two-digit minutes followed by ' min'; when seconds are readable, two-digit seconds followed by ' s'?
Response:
10 h 11 min
